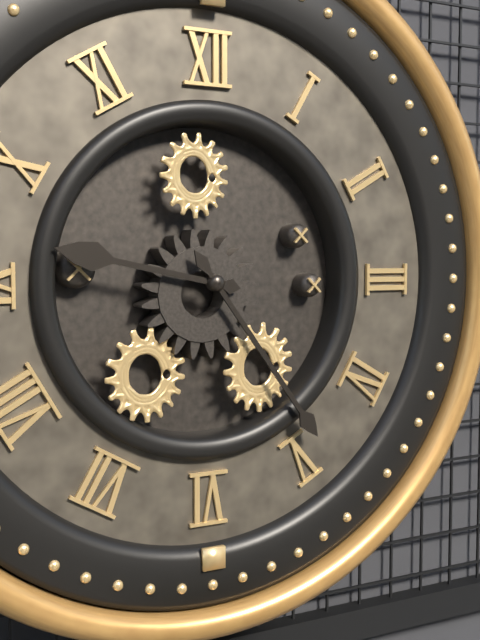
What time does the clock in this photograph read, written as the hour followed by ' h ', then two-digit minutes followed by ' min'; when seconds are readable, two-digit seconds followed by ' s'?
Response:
9 h 24 min
